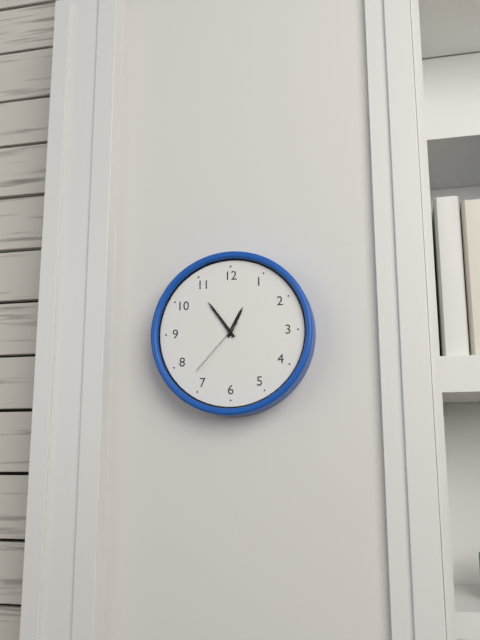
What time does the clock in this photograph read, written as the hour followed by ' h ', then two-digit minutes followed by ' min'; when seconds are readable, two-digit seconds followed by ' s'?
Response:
12 h 54 min 37 s
